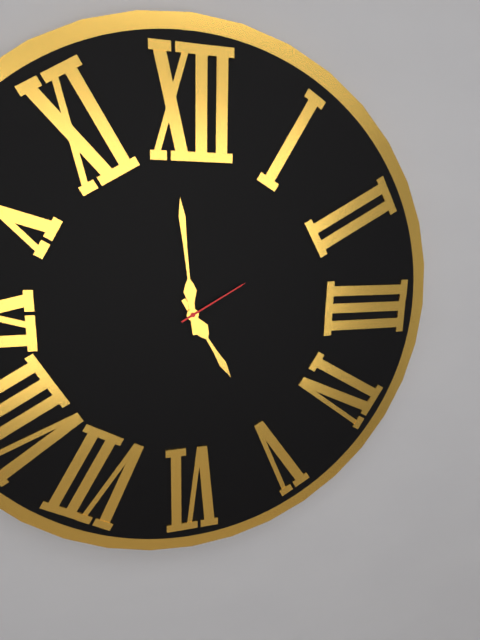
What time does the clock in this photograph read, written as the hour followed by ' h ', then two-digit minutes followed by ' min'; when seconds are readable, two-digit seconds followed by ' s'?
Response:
4 h 59 min 10 s
